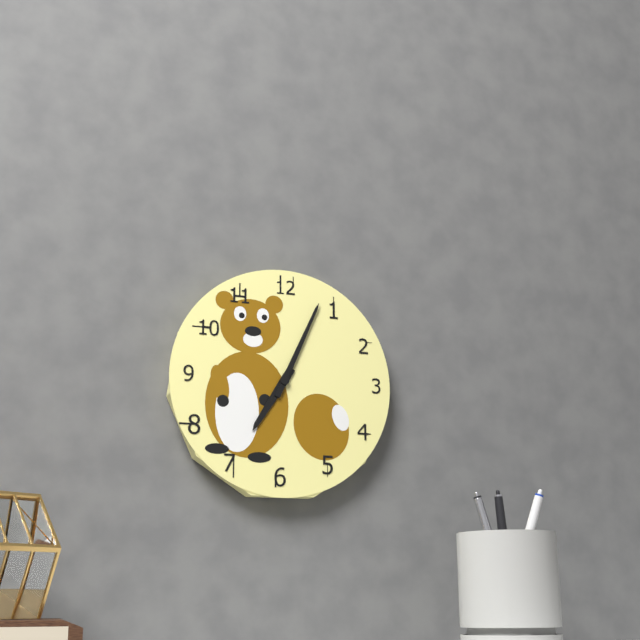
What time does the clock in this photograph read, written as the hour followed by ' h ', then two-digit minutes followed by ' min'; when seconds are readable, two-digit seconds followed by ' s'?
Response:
7 h 04 min
